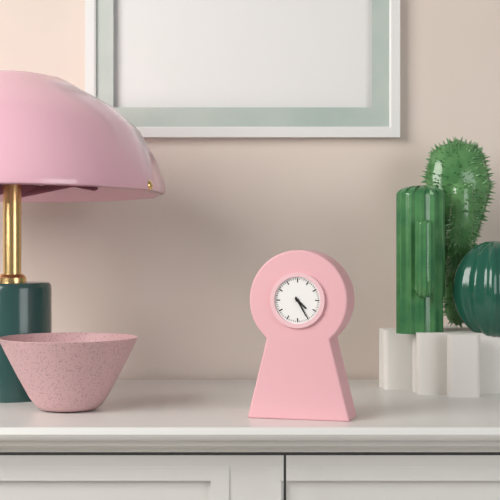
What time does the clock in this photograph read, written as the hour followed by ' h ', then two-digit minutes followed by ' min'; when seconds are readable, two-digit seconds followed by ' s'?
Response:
4 h 25 min
